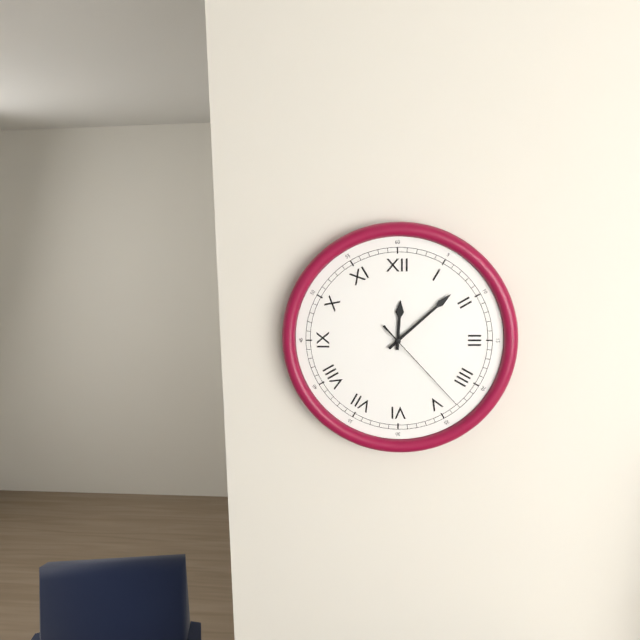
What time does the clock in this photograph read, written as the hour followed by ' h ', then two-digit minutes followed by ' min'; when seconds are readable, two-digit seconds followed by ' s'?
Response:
12 h 08 min 23 s
